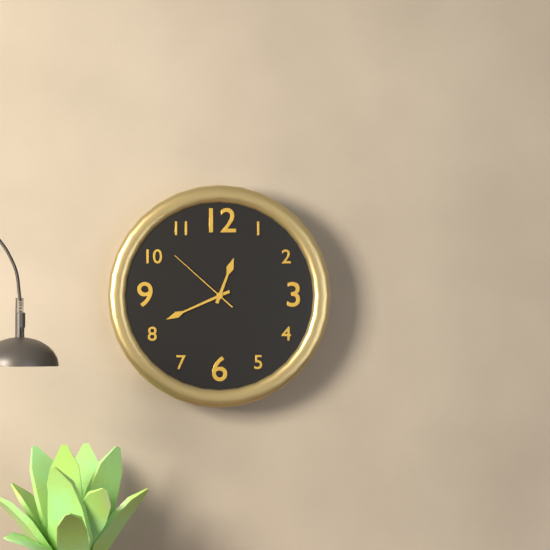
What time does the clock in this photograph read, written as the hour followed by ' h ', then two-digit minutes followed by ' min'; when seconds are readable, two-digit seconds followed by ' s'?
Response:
12 h 41 min 52 s
